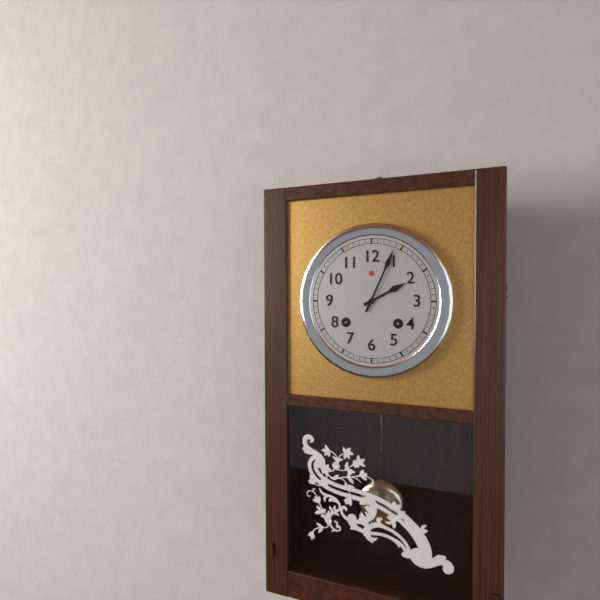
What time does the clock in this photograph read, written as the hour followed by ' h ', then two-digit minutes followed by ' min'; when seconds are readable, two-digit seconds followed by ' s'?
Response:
2 h 04 min
